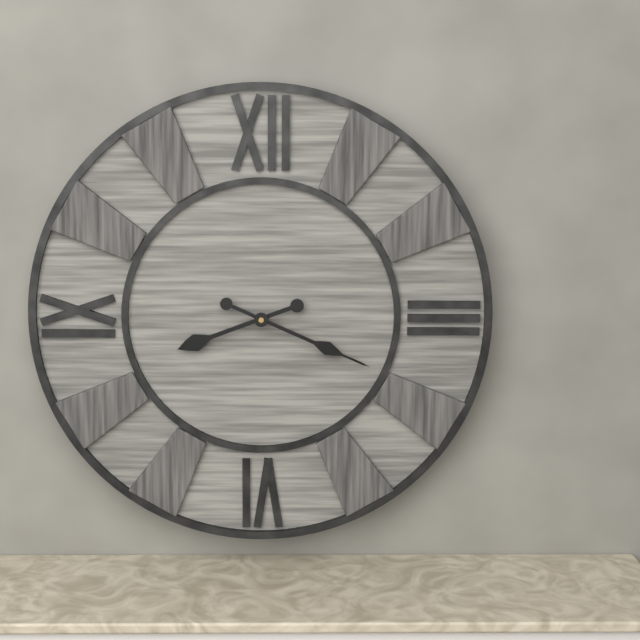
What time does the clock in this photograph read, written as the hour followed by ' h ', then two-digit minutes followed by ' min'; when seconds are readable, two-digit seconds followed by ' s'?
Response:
8 h 19 min
